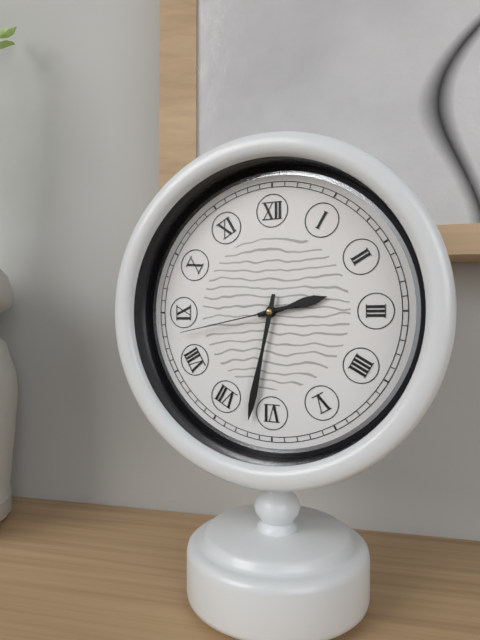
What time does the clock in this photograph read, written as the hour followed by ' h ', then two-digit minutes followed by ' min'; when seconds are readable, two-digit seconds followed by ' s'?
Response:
2 h 32 min 43 s
